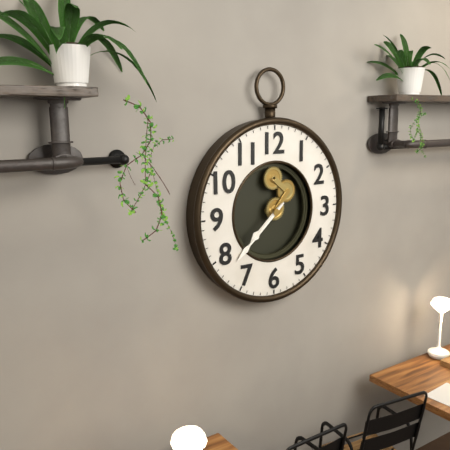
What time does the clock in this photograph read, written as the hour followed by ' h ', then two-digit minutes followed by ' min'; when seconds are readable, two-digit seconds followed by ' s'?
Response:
7 h 38 min
